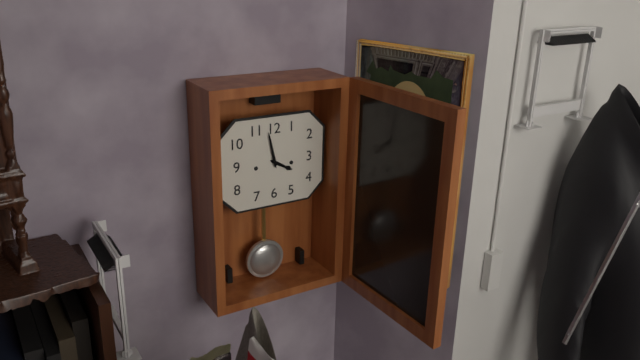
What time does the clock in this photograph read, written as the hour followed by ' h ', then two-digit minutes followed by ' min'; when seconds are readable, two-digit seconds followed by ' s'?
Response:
3 h 58 min
